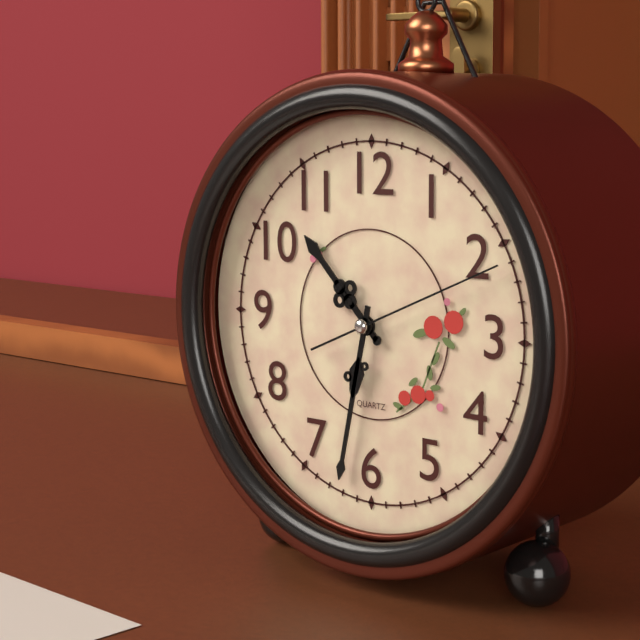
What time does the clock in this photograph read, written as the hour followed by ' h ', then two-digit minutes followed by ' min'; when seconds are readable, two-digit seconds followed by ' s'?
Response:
10 h 32 min 11 s
